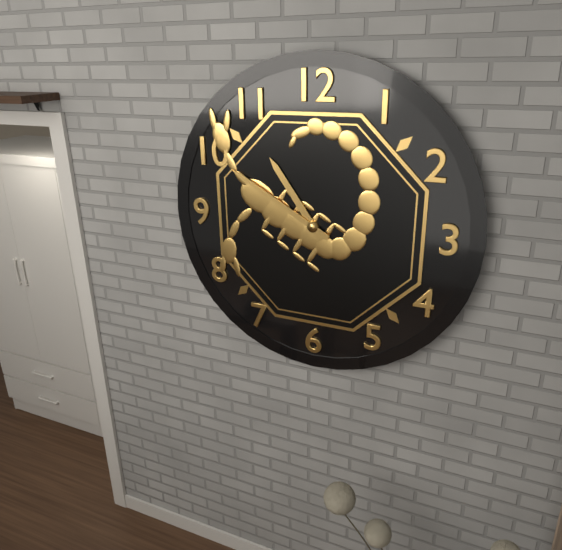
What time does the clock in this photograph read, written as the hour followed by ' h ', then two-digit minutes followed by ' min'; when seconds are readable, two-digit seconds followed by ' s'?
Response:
10 h 50 min
